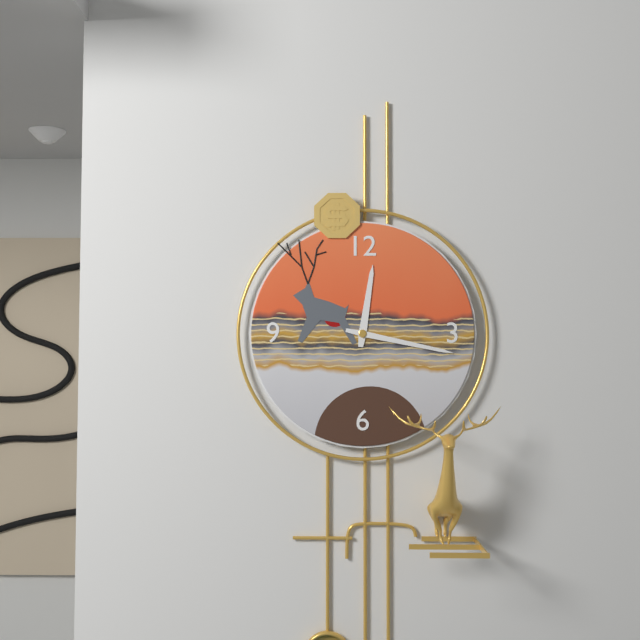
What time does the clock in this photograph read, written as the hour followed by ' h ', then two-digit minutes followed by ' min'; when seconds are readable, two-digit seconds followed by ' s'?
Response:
12 h 17 min
